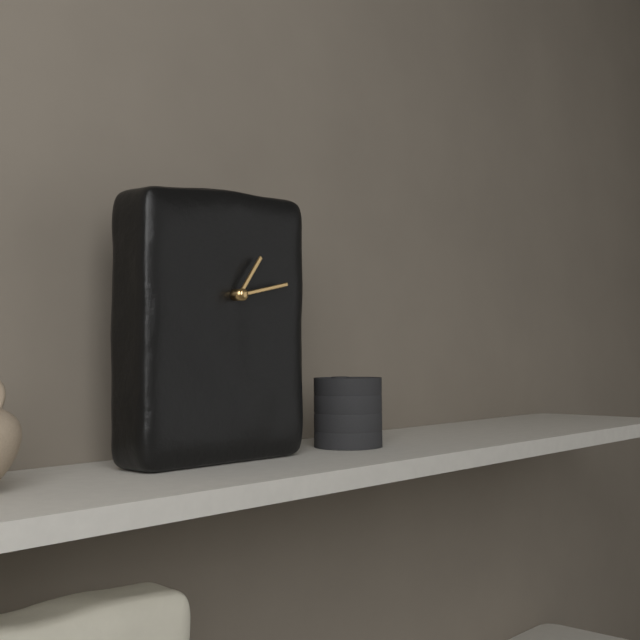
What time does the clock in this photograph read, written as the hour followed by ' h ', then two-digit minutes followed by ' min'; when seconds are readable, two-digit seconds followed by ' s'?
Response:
1 h 13 min
